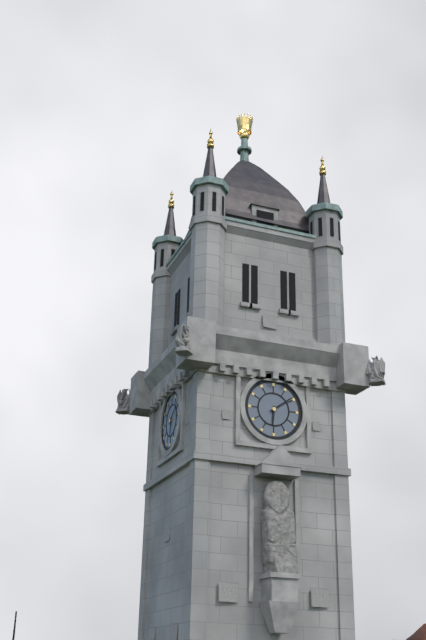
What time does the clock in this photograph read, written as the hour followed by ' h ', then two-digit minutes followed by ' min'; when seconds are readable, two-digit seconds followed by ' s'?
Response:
6 h 09 min
